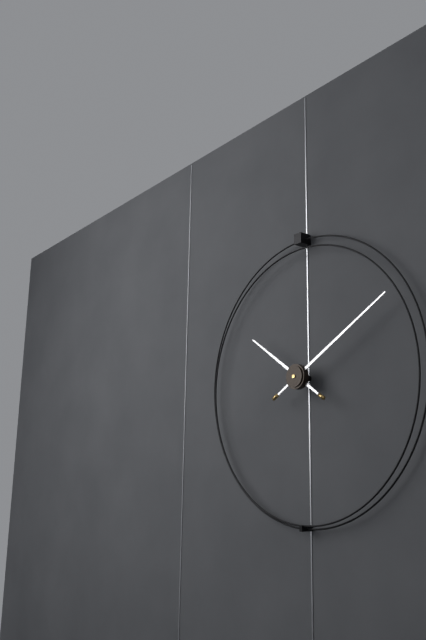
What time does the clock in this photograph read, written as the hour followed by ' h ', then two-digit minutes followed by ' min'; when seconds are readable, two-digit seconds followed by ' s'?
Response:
10 h 10 min
